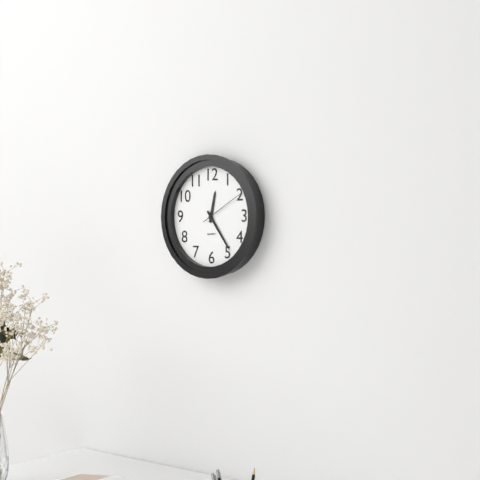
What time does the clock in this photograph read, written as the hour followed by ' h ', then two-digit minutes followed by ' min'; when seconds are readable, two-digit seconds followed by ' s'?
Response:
12 h 24 min
